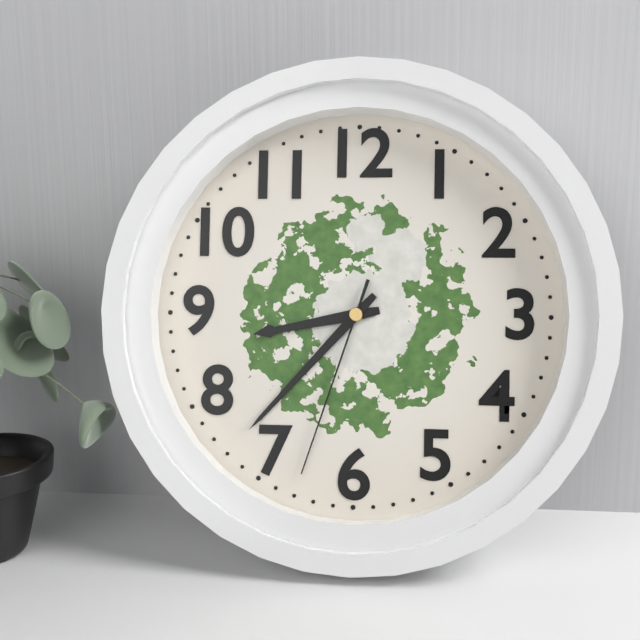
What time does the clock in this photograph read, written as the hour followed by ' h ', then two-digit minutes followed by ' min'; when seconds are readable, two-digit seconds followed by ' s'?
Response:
8 h 37 min 33 s
